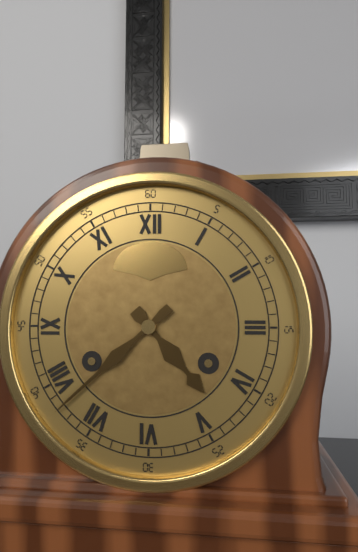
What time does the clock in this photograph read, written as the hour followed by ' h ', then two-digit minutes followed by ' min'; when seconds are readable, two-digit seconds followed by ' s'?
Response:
4 h 38 min
